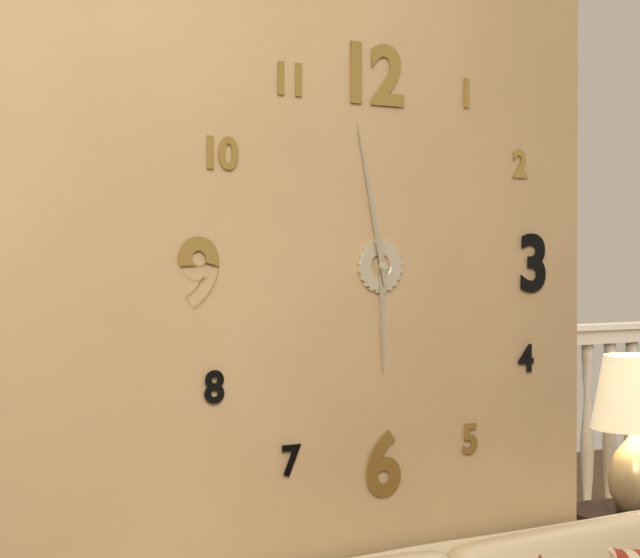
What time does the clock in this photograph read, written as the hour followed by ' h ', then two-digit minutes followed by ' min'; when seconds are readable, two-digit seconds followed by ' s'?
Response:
5 h 58 min
